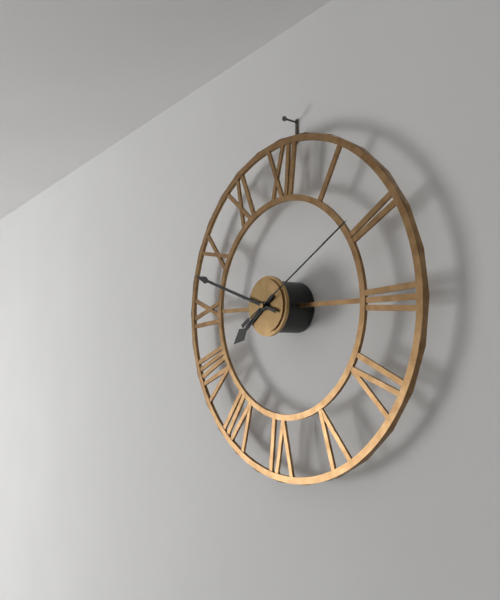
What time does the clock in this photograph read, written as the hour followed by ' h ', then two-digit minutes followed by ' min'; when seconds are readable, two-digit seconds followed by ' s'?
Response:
7 h 48 min 10 s
